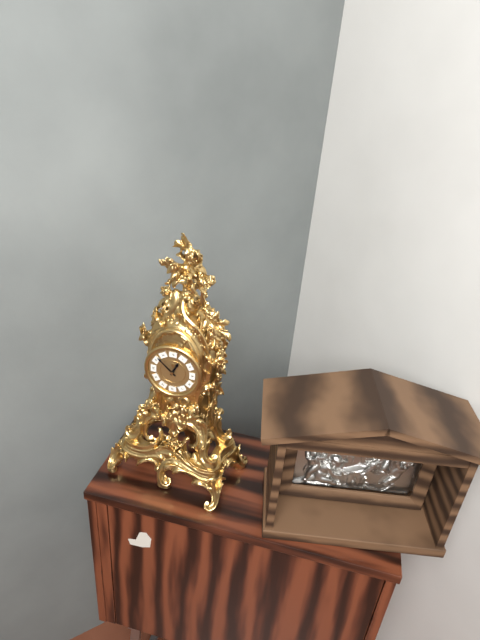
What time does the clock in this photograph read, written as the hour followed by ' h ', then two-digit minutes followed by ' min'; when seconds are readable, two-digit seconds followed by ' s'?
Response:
12 h 52 min
